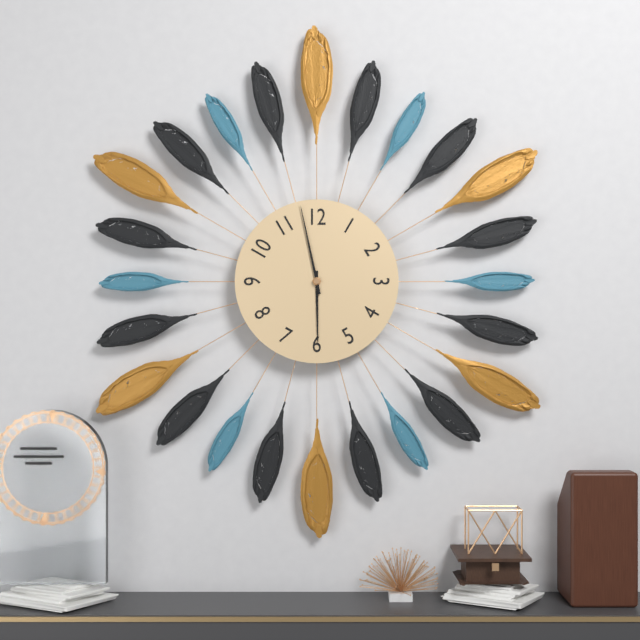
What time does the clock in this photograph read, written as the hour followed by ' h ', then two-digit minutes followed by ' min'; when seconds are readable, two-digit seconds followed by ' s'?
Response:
5 h 58 min
